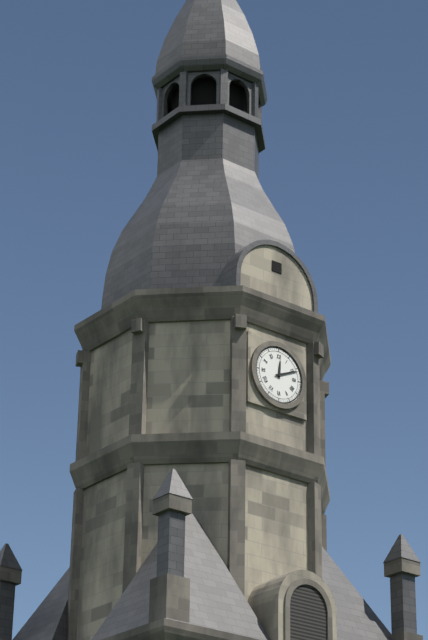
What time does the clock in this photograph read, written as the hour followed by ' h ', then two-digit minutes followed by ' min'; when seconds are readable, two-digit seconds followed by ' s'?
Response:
12 h 11 min
